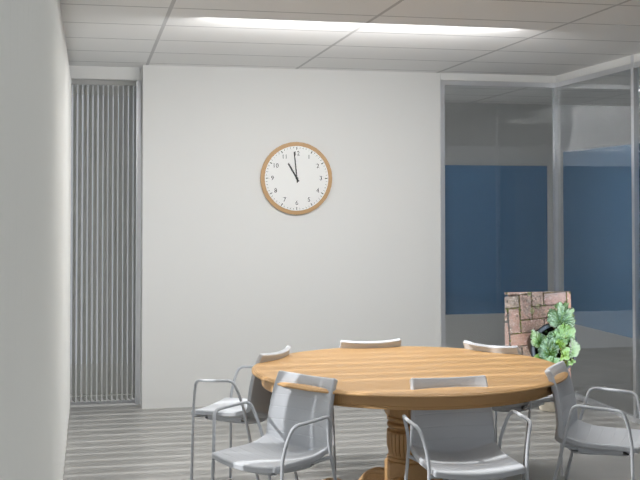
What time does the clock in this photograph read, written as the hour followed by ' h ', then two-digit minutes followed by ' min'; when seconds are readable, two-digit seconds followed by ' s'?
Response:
10 h 59 min
